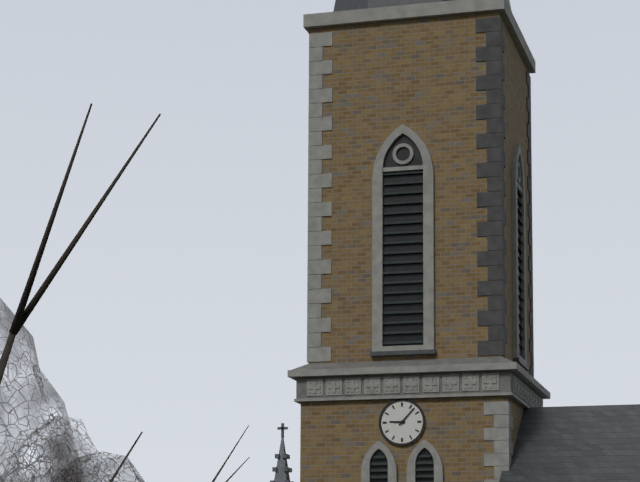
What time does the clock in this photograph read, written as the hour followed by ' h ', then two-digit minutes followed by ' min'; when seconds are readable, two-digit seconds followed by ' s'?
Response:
9 h 07 min
